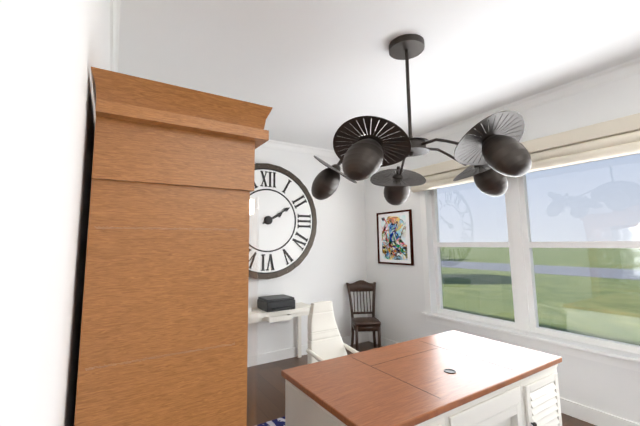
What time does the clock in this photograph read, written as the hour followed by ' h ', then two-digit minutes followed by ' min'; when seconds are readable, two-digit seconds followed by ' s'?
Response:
2 h 10 min
